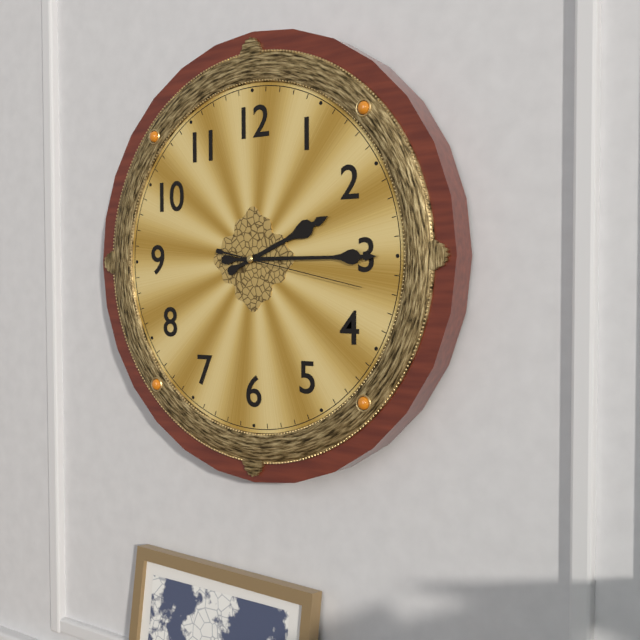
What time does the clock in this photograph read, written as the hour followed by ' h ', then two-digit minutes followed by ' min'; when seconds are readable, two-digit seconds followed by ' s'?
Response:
2 h 15 min 17 s
